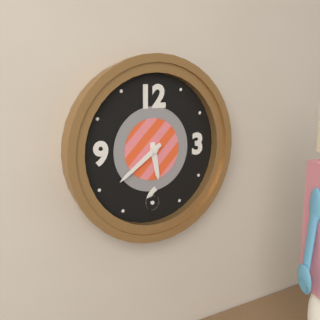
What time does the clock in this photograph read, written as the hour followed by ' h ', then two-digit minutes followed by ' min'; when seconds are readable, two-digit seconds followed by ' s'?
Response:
5 h 39 min
